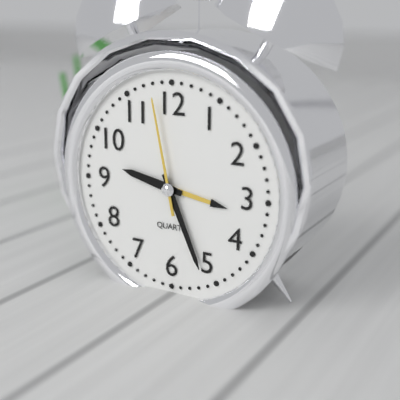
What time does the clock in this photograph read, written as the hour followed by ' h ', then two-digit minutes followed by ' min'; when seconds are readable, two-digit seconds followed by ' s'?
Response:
9 h 26 min 58 s
